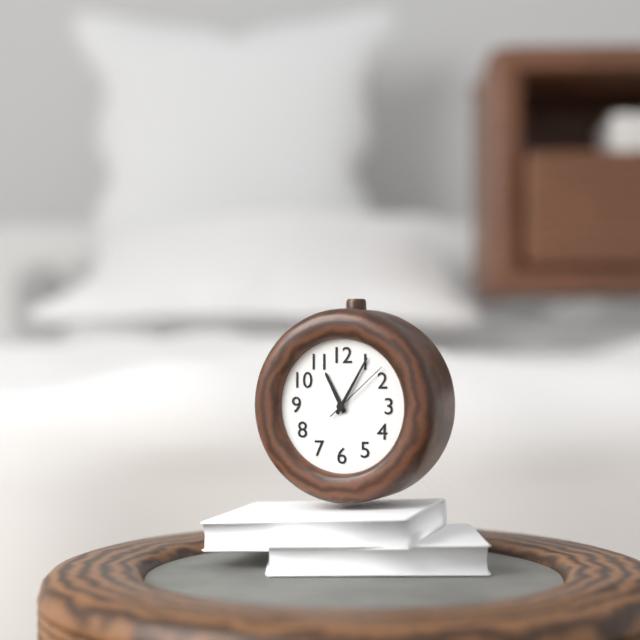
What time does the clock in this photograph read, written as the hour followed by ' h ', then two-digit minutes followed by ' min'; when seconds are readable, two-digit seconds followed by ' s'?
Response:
11 h 05 min 08 s
